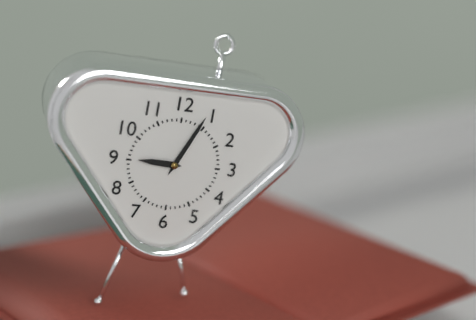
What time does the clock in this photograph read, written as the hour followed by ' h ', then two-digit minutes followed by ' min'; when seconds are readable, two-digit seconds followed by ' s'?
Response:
9 h 04 min
